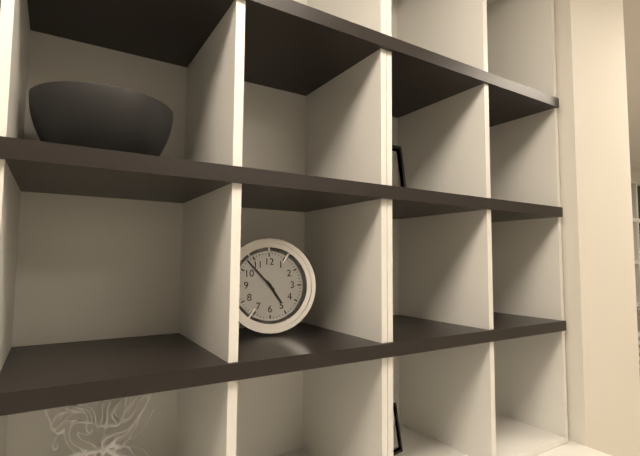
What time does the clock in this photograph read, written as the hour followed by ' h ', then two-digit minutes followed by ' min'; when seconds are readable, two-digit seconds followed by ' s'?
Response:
4 h 53 min
